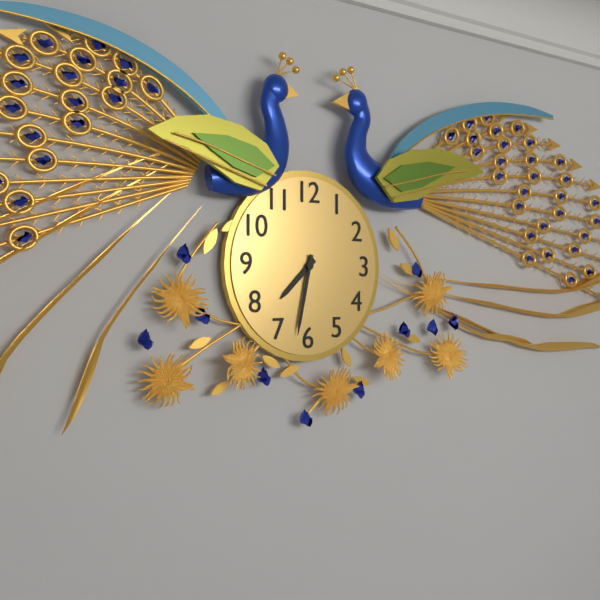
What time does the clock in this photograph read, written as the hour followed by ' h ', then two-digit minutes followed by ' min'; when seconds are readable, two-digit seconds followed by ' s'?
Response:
7 h 32 min
